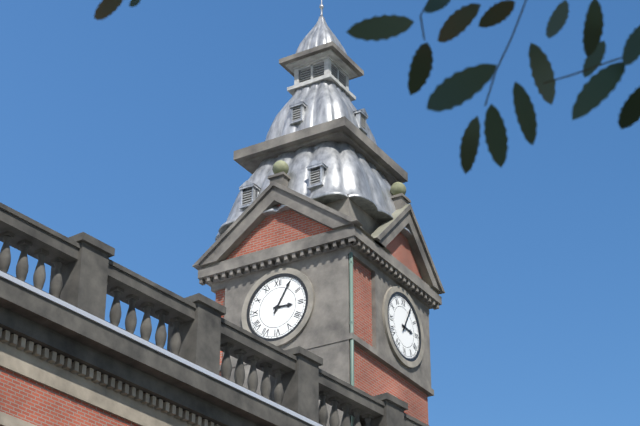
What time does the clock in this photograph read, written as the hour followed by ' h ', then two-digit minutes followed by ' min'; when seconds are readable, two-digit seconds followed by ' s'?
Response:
3 h 05 min
